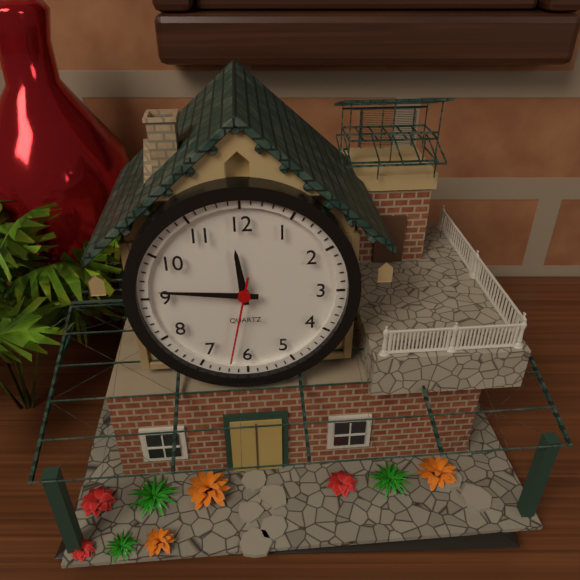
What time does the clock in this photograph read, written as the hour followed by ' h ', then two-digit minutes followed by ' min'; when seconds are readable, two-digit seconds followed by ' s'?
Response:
11 h 46 min 32 s
